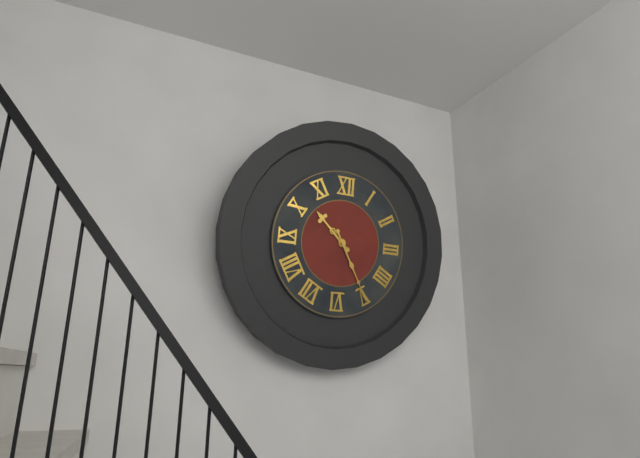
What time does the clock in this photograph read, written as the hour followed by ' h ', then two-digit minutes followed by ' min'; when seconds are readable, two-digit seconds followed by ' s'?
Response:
10 h 25 min
